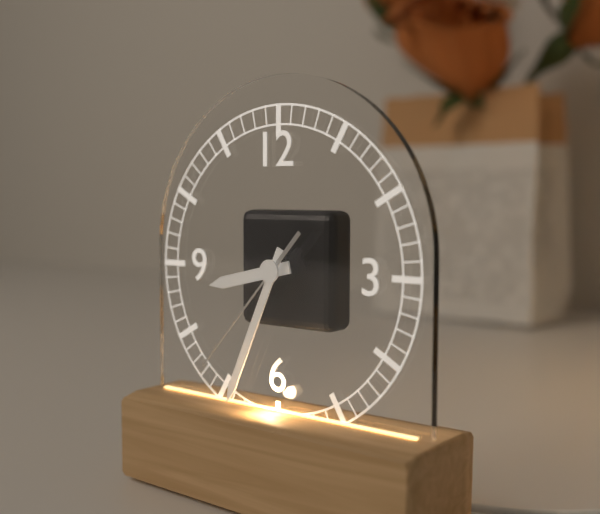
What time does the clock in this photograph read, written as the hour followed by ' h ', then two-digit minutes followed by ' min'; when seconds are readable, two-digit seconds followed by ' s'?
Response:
8 h 34 min 37 s
